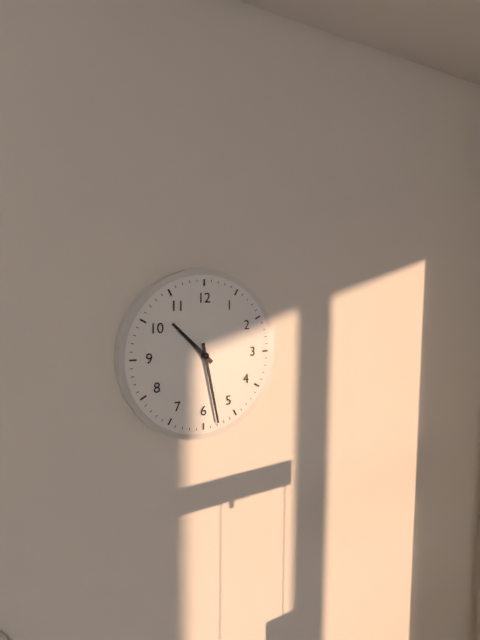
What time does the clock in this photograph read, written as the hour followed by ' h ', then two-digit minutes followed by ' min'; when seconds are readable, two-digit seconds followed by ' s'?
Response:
10 h 28 min
